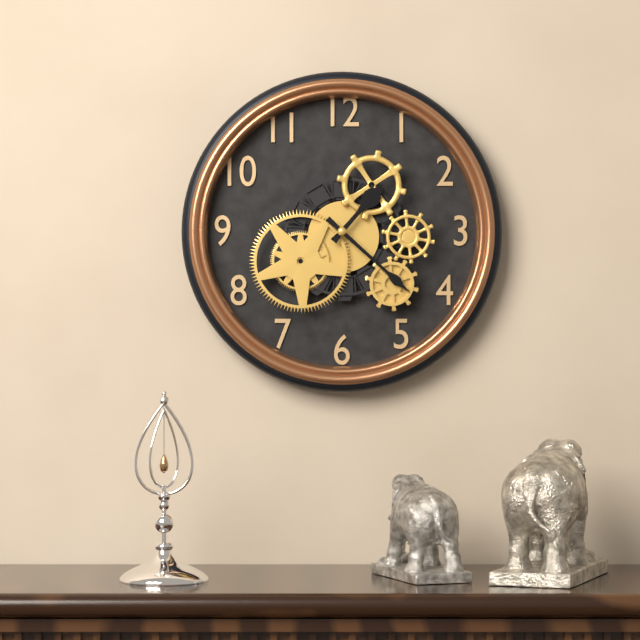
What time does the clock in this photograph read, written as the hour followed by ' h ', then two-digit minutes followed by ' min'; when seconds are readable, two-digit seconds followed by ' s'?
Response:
1 h 22 min
